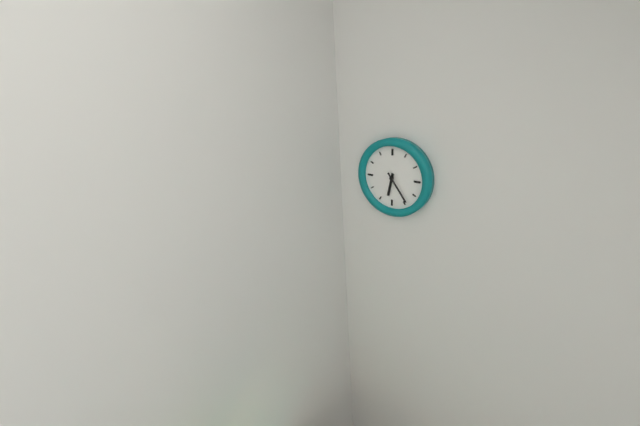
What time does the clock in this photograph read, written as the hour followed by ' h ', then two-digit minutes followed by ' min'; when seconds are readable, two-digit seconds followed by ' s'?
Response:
6 h 24 min
